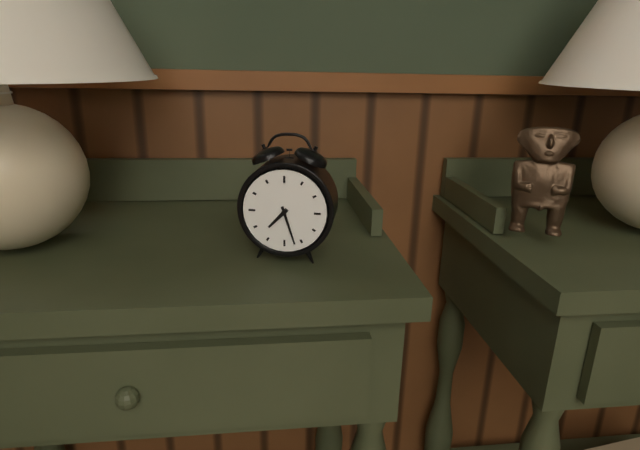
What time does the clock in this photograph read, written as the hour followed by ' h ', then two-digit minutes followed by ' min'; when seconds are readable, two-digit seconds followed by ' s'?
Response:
7 h 27 min
